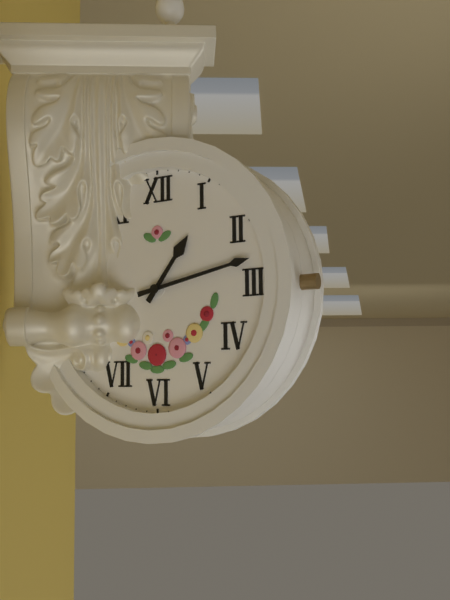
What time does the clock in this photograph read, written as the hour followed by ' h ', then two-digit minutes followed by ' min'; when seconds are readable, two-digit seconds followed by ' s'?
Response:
1 h 13 min
